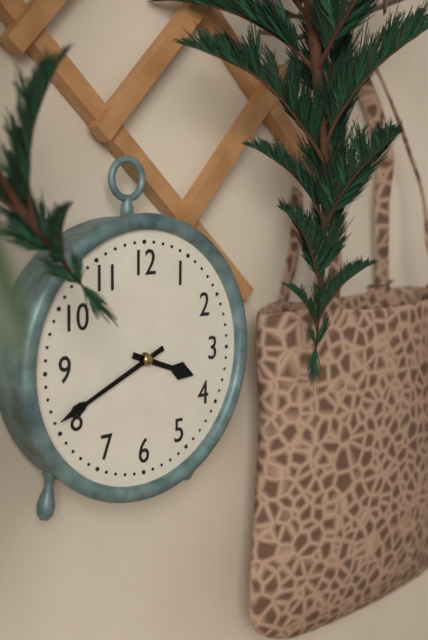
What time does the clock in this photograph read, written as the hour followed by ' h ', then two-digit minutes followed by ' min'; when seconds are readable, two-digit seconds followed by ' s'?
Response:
3 h 41 min
